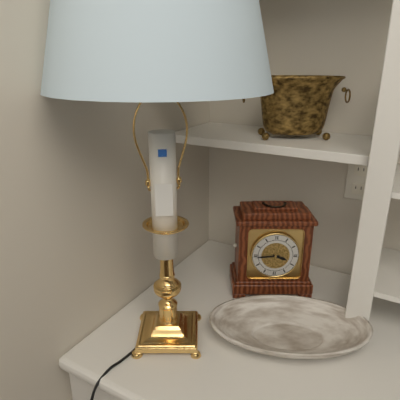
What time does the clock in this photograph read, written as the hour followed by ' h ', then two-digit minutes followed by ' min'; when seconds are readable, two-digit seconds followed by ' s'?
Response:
3 h 44 min
